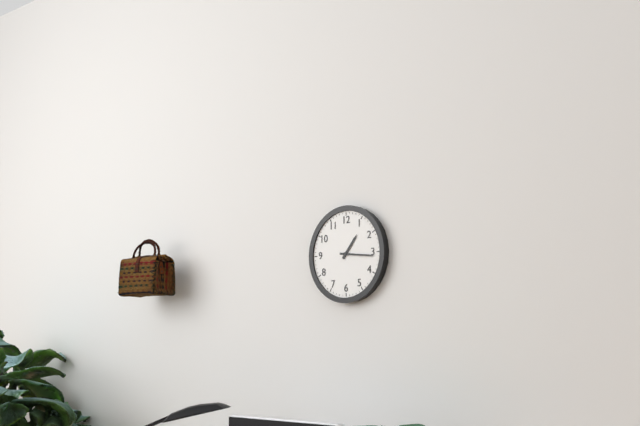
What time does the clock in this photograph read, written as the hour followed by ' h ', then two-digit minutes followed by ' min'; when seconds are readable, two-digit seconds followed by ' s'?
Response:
1 h 16 min
